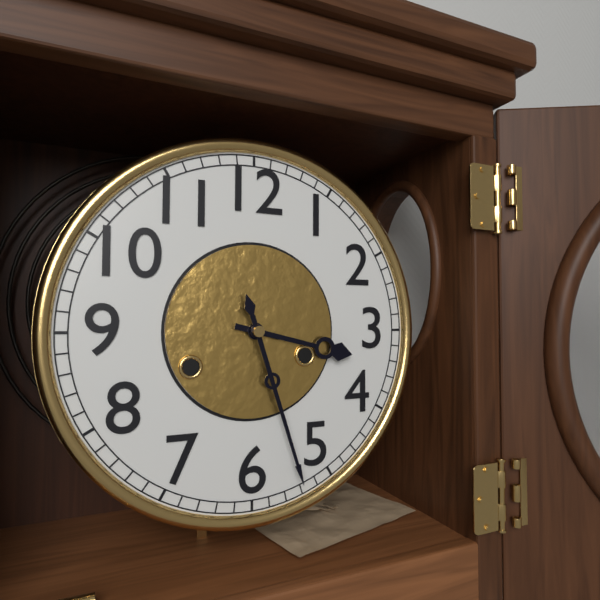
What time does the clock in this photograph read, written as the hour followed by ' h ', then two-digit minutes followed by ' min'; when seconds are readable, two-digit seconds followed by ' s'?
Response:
3 h 27 min
